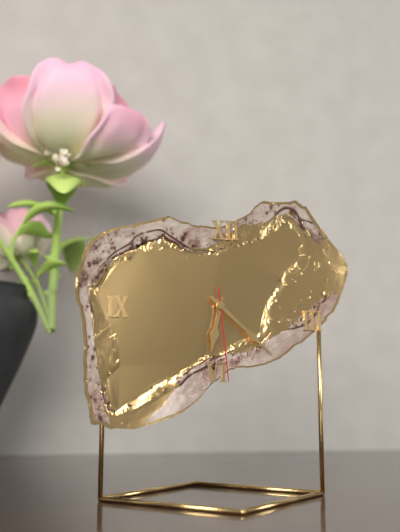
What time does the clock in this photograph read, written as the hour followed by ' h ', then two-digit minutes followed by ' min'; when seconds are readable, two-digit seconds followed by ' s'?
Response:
6 h 22 min 29 s
